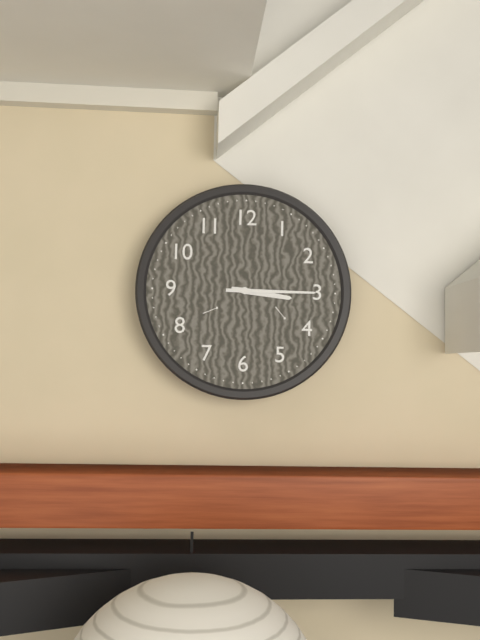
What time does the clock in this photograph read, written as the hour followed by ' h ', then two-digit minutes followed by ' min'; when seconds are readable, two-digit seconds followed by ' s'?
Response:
3 h 15 min
